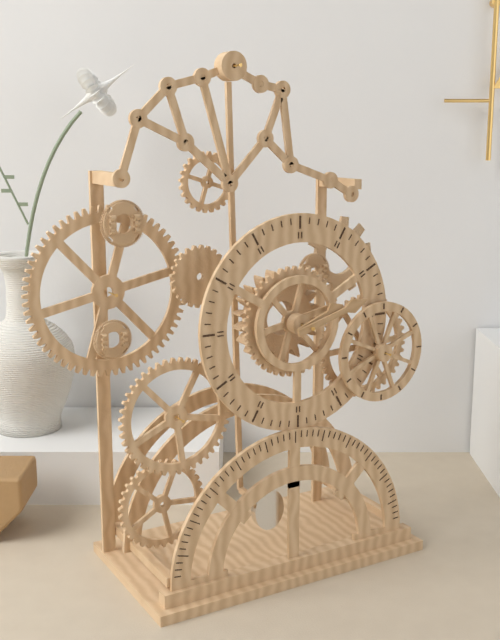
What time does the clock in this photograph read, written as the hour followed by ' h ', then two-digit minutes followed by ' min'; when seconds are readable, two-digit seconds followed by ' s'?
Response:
2 h 12 min
